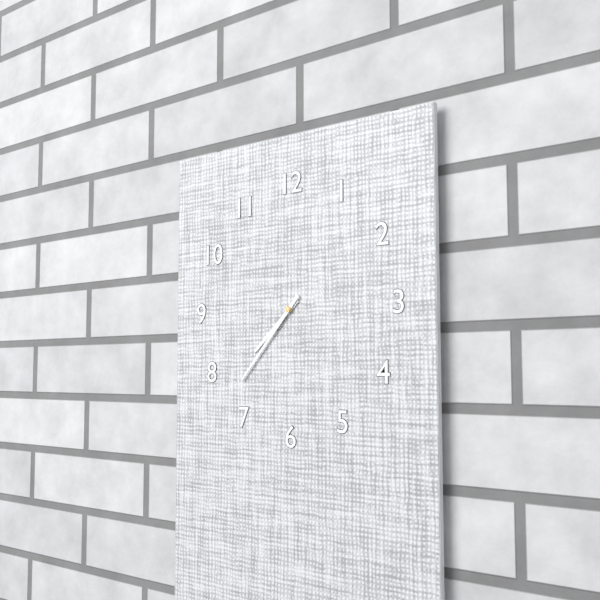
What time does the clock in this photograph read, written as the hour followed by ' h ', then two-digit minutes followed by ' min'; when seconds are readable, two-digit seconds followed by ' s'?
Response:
7 h 37 min
